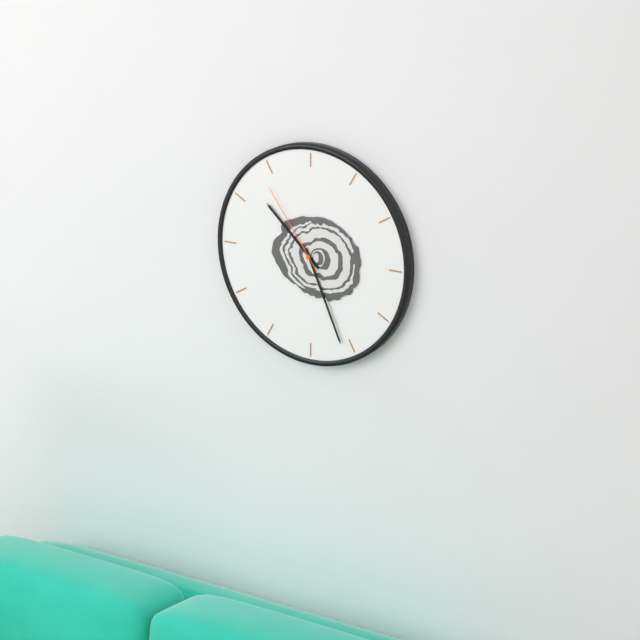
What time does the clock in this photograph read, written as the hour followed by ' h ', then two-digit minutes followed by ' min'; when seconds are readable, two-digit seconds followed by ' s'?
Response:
10 h 26 min 54 s
